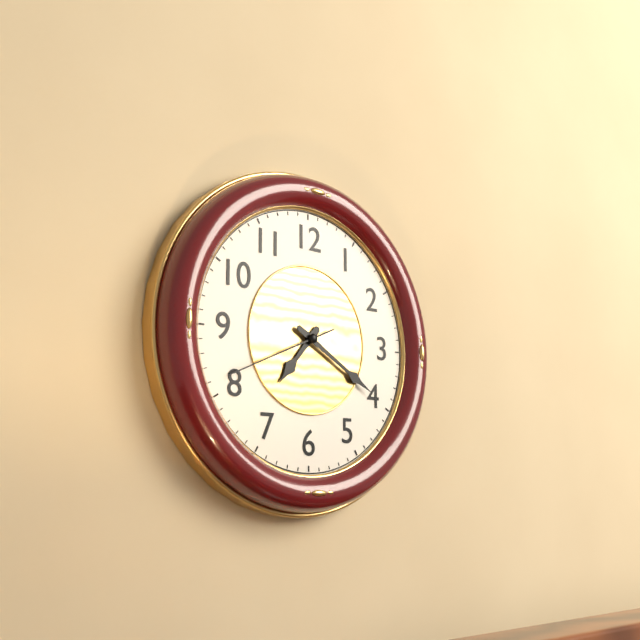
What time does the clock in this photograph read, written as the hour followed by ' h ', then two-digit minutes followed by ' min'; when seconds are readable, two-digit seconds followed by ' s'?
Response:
7 h 20 min 41 s
